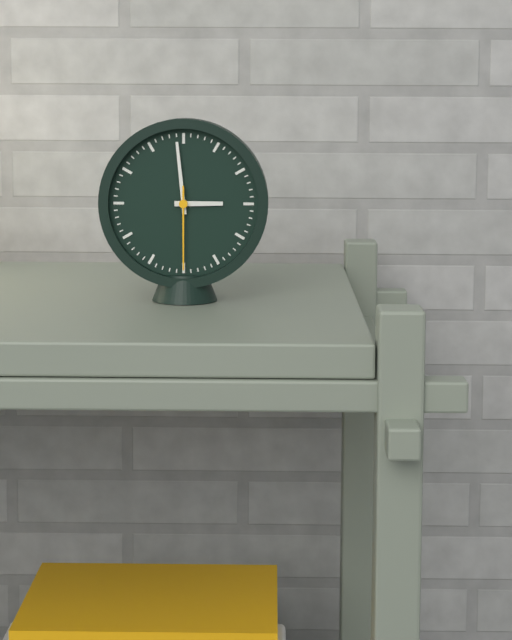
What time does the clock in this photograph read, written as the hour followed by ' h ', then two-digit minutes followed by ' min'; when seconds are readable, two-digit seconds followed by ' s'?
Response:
2 h 59 min 30 s
